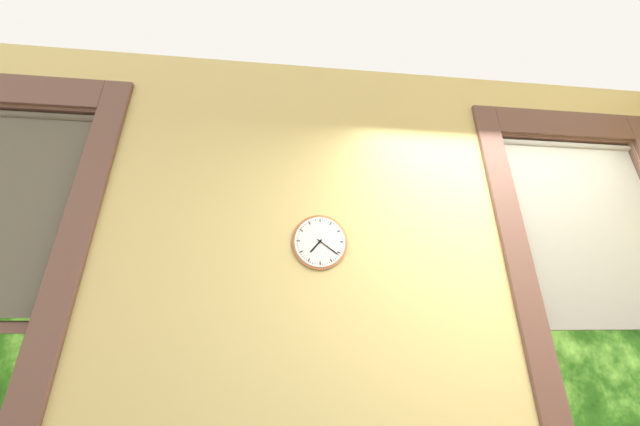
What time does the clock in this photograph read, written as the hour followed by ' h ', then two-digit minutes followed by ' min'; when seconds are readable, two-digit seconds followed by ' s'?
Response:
7 h 21 min
